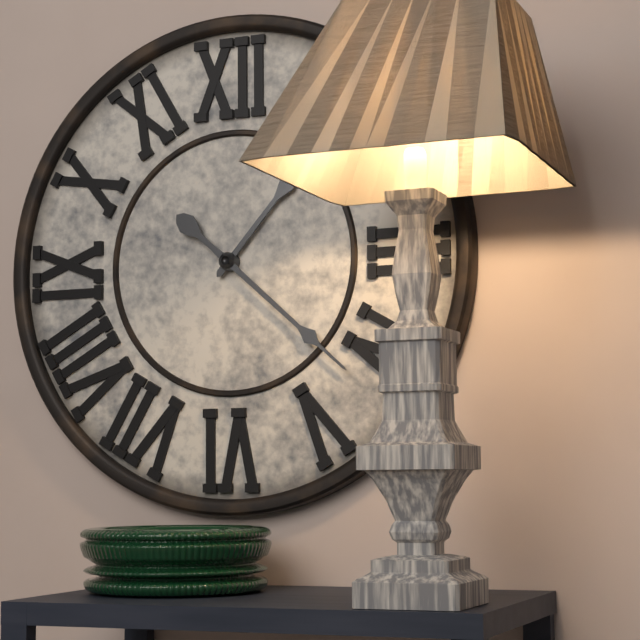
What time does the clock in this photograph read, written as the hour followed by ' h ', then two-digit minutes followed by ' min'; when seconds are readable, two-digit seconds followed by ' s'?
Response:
1 h 22 min
